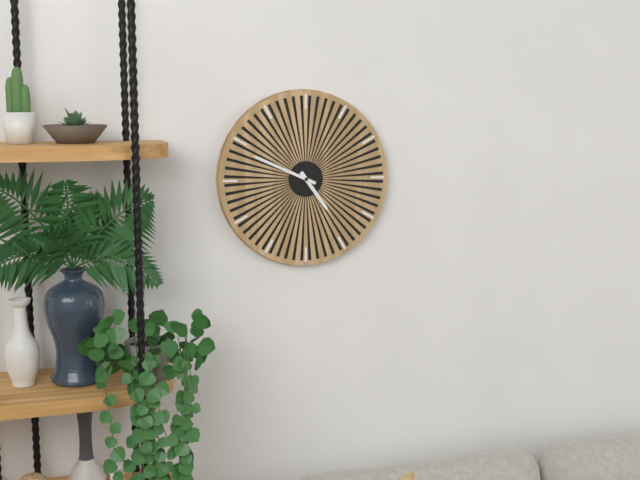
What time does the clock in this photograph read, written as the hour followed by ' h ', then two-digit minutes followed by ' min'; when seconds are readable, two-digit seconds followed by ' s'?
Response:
4 h 49 min
